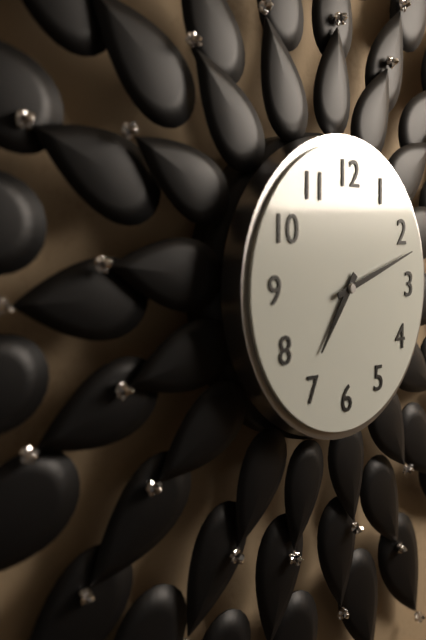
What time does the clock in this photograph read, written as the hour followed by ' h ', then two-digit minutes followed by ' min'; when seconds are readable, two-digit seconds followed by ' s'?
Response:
7 h 12 min
